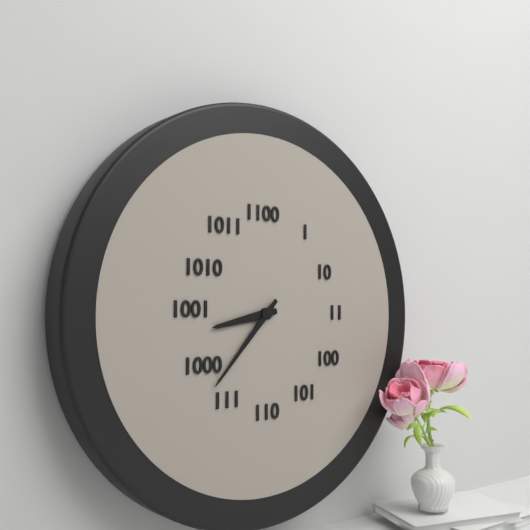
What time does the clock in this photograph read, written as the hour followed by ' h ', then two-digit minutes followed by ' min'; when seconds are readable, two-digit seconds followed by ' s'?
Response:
8 h 37 min
